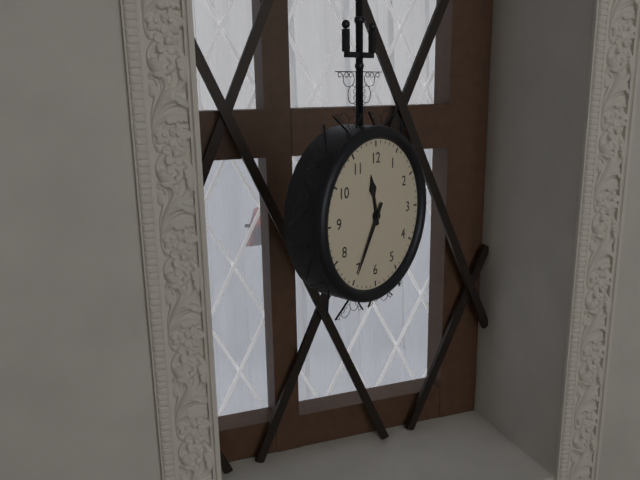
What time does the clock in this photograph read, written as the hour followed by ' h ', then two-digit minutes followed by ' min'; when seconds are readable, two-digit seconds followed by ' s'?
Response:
11 h 35 min
